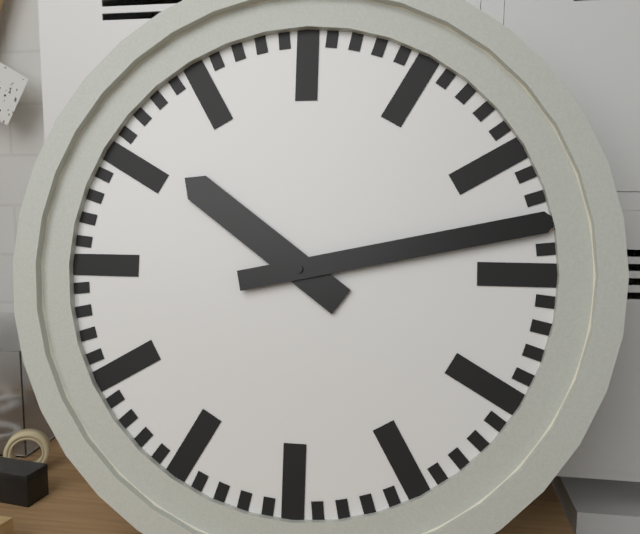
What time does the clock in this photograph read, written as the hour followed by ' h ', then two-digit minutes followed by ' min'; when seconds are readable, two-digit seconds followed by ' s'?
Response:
10 h 13 min
